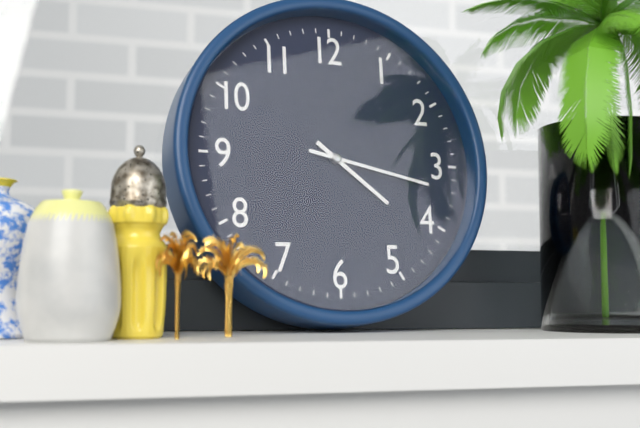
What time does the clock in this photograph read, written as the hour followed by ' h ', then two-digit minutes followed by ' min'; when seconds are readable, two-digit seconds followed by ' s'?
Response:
4 h 17 min
